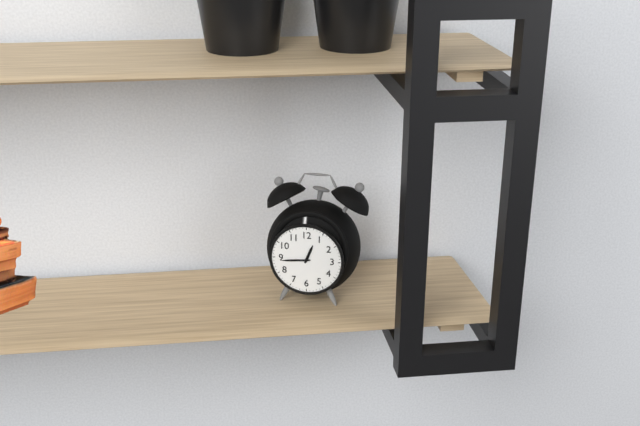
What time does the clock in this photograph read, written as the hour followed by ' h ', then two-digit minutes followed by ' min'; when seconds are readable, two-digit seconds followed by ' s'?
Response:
12 h 44 min
